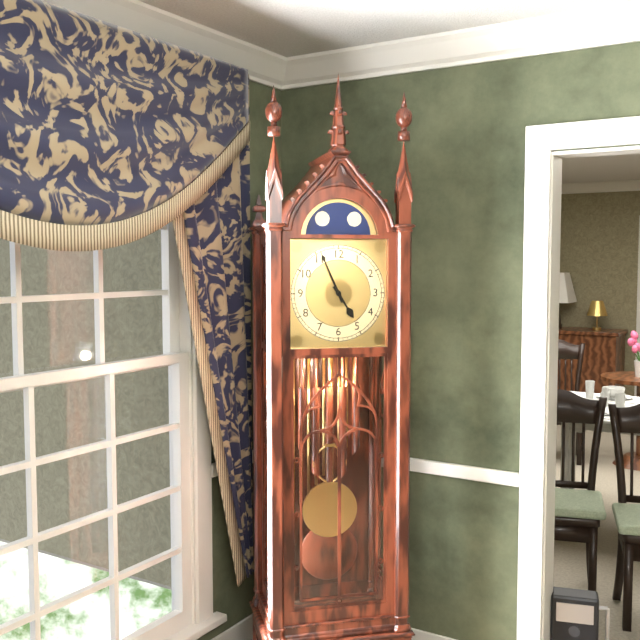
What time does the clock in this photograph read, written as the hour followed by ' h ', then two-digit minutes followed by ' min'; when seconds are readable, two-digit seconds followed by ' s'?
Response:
4 h 56 min
